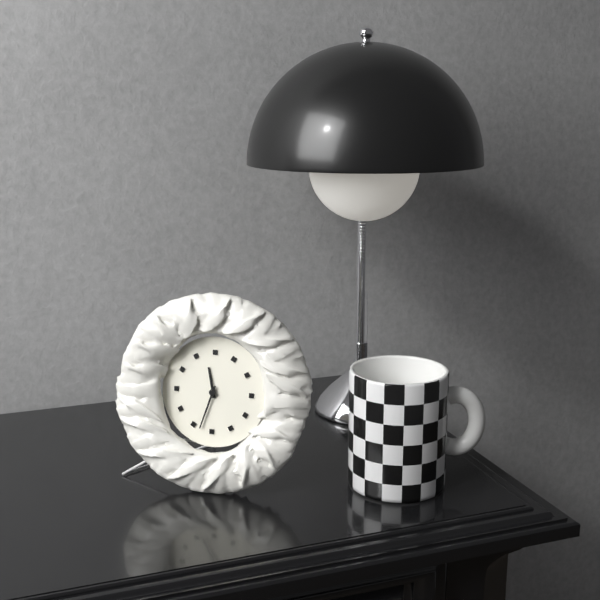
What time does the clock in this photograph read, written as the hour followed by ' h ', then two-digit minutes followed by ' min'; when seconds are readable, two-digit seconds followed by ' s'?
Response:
11 h 33 min
